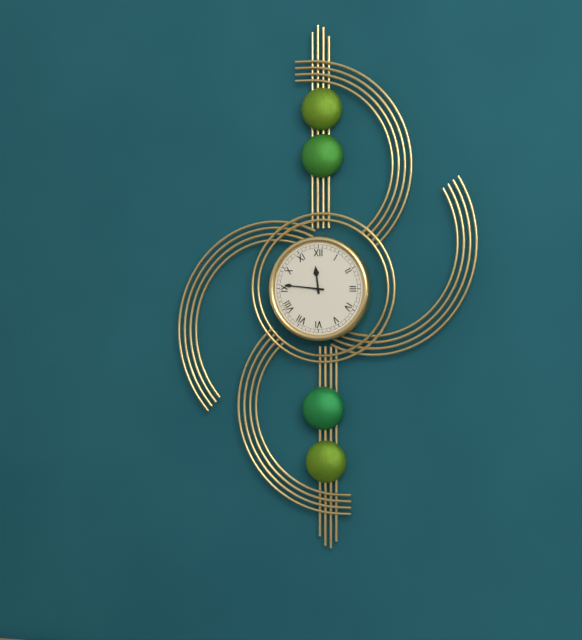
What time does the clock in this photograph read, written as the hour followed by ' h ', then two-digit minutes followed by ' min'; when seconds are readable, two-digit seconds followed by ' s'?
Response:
11 h 46 min
